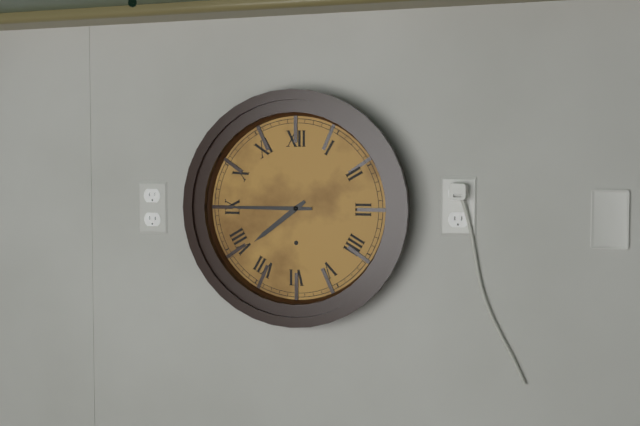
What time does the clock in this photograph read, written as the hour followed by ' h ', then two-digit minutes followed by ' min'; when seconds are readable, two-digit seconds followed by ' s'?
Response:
7 h 45 min
